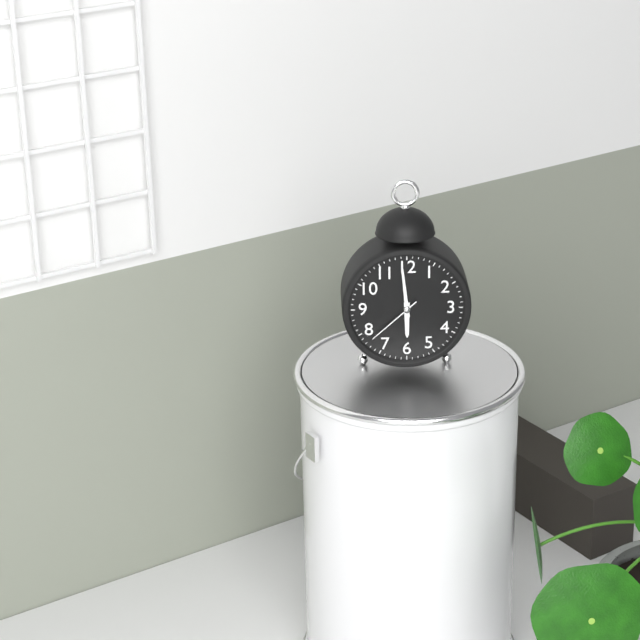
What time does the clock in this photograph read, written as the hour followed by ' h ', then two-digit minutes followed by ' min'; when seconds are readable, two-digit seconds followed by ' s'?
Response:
5 h 59 min 38 s
